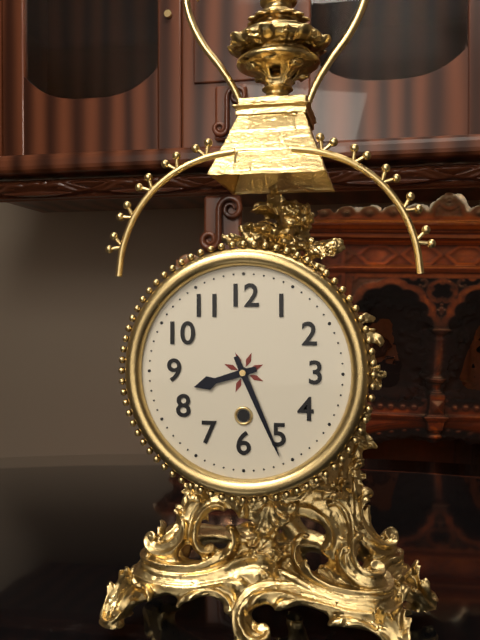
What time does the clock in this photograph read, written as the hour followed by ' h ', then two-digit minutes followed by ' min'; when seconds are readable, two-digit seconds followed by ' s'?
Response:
8 h 26 min
